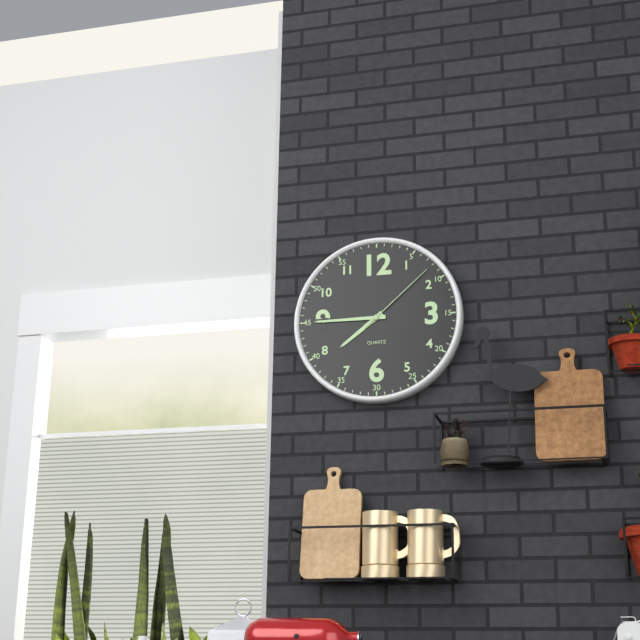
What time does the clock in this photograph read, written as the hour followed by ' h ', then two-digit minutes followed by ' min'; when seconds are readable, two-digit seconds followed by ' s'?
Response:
7 h 45 min 08 s
